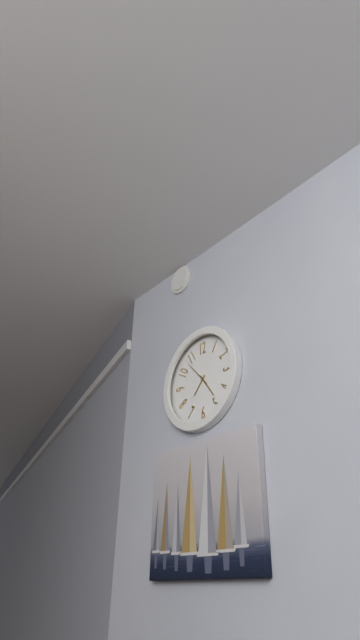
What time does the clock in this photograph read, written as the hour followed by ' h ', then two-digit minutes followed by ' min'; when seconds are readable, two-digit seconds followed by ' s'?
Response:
7 h 24 min
